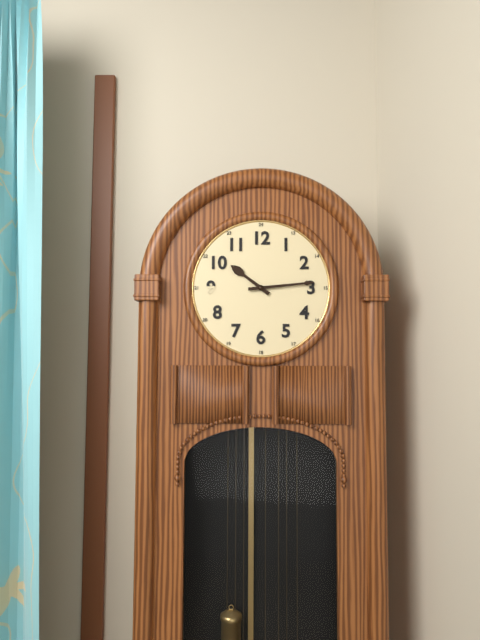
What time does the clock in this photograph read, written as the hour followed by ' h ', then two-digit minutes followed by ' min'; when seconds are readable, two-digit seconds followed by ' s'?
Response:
10 h 14 min
